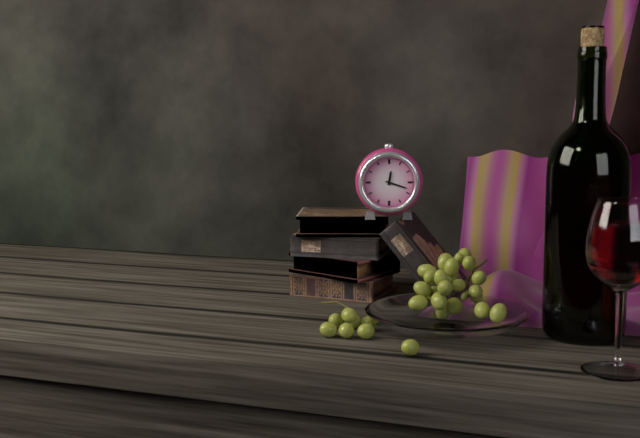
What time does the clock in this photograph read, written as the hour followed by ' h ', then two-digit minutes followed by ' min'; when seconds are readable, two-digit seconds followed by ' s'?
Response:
12 h 18 min
